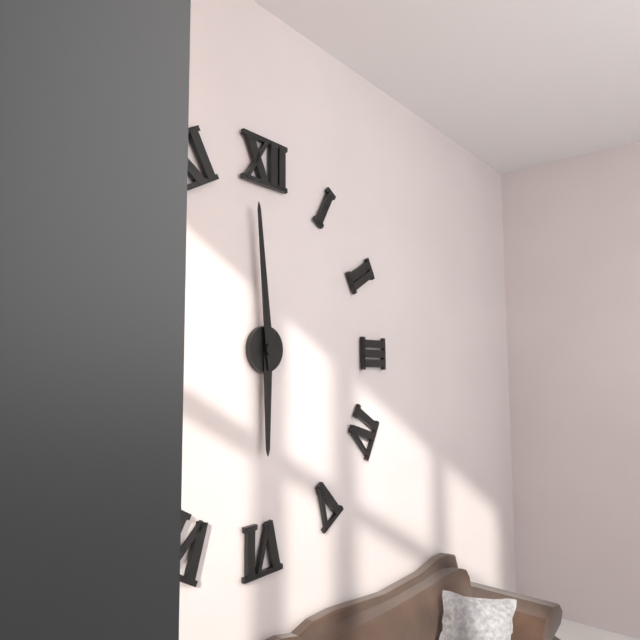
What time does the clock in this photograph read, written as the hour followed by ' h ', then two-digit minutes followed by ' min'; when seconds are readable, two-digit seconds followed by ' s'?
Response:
5 h 59 min
